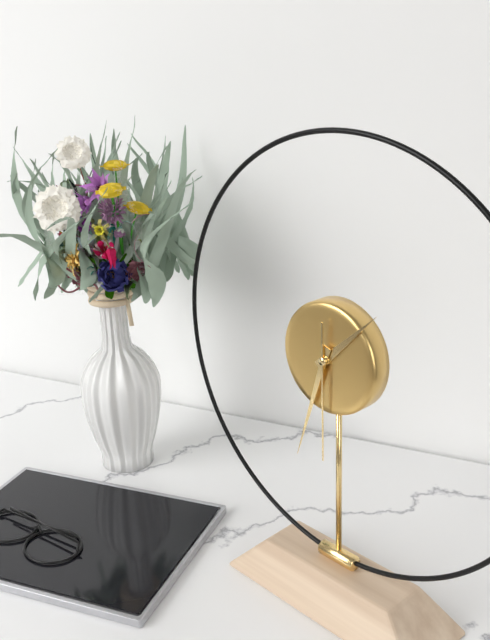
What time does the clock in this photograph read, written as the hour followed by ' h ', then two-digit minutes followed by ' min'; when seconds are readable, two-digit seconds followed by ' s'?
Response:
1 h 33 min 30 s
